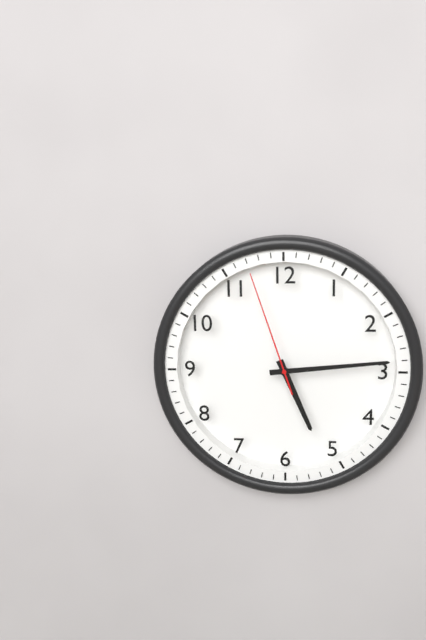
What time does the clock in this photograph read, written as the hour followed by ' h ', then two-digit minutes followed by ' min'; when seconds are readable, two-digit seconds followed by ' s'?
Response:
5 h 14 min 57 s
